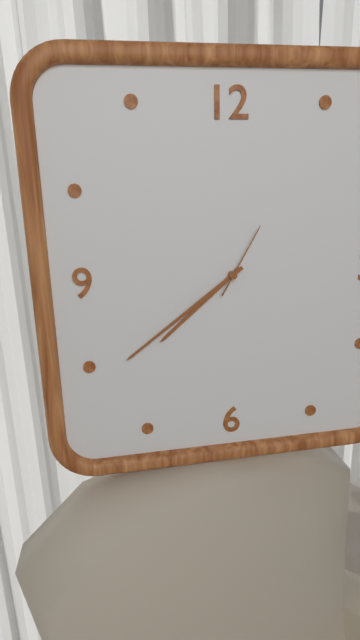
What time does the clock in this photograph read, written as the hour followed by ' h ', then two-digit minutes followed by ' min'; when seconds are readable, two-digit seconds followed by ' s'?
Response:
7 h 39 min 05 s
